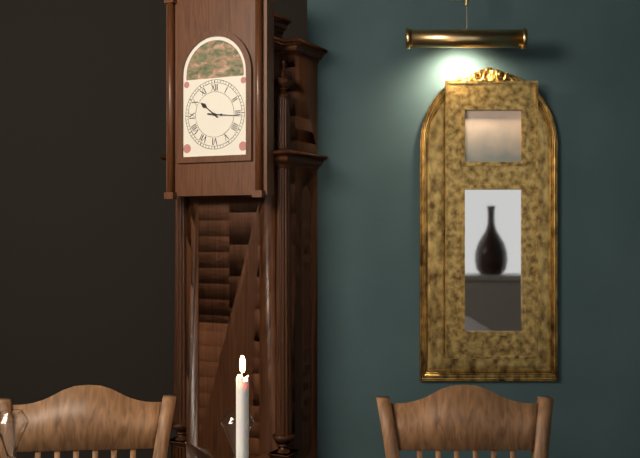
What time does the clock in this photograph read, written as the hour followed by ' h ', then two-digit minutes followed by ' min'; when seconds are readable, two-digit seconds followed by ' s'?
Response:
10 h 16 min
